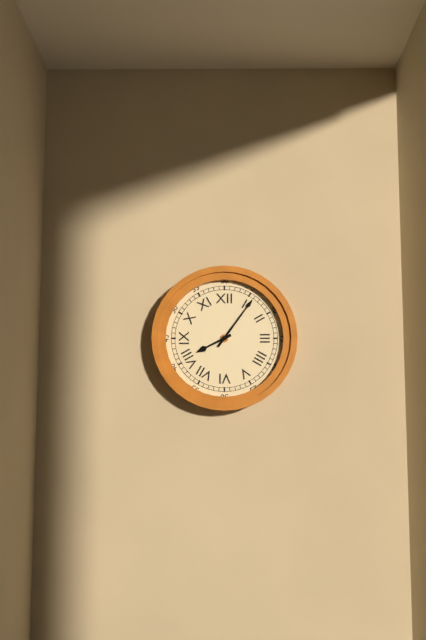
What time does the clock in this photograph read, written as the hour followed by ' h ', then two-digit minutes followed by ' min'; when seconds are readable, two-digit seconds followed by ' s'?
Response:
8 h 06 min
